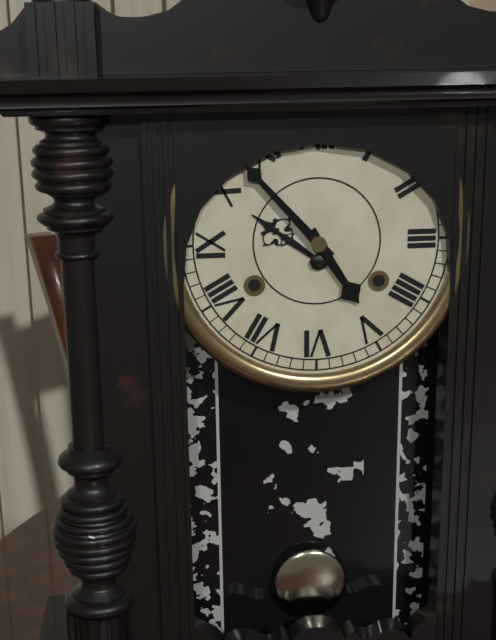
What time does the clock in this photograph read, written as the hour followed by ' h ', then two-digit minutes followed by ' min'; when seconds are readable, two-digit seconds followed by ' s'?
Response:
4 h 53 min
